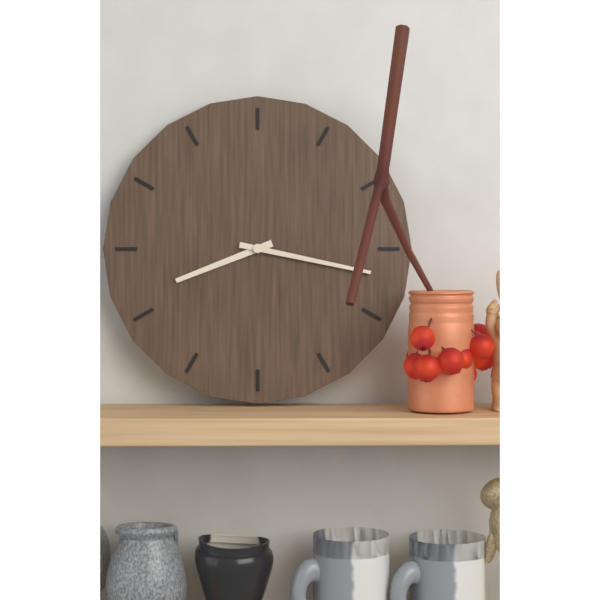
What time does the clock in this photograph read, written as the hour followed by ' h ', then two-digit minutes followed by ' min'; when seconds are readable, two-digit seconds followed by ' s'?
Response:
8 h 17 min
